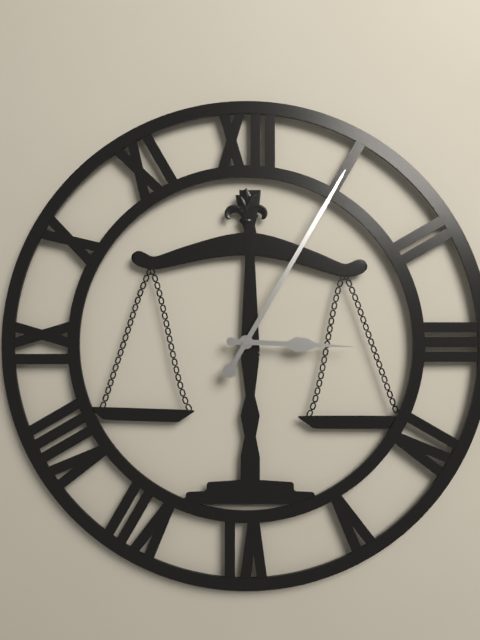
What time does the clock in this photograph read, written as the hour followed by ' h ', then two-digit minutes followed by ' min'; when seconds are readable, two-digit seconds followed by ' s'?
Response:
3 h 05 min
